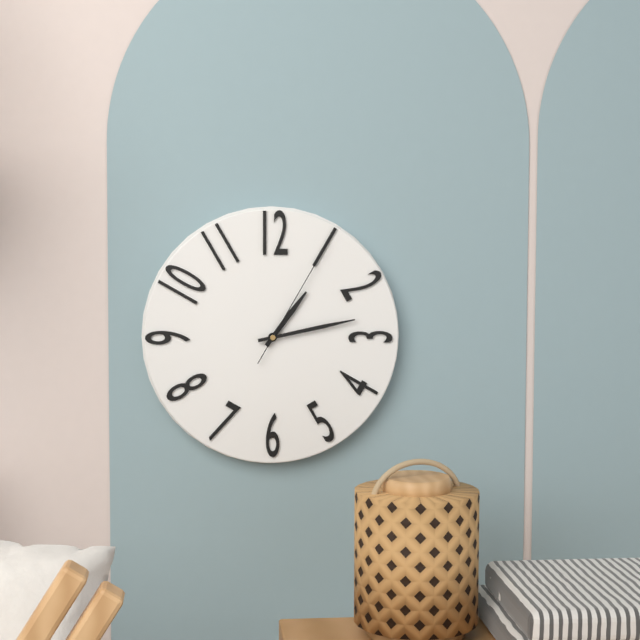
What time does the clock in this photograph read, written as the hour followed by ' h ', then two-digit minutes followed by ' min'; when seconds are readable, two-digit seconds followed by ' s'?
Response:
1 h 13 min 05 s
